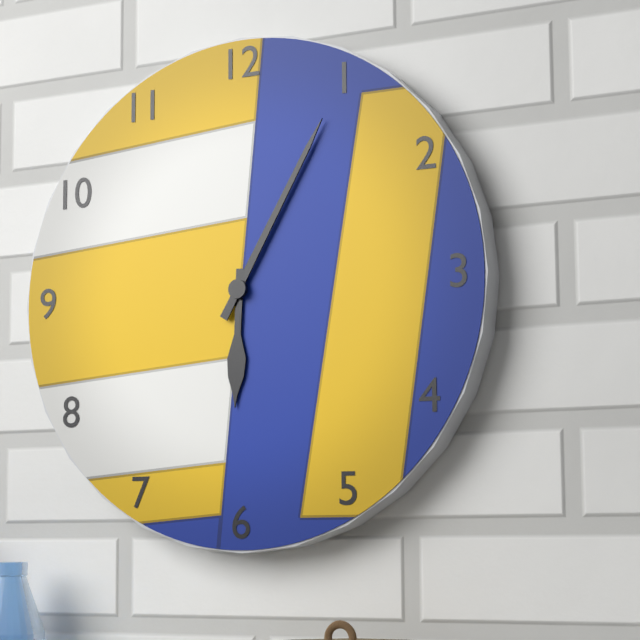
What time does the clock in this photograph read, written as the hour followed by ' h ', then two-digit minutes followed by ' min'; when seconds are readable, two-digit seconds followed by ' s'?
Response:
6 h 05 min
